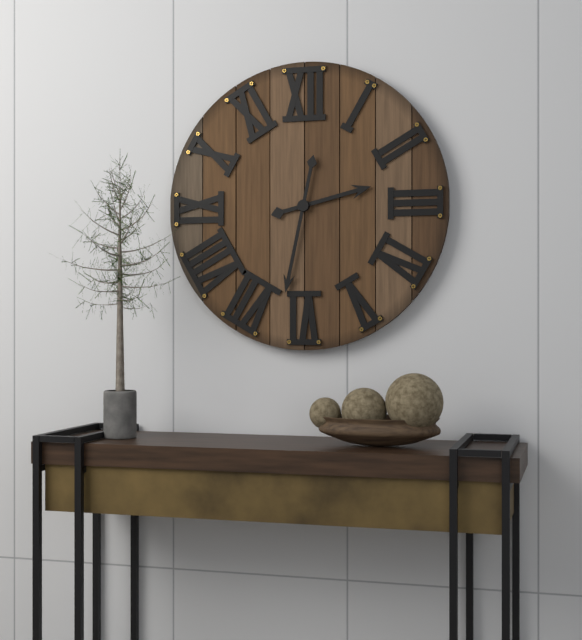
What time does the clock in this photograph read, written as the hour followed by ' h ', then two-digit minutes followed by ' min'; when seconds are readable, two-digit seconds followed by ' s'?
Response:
2 h 32 min
